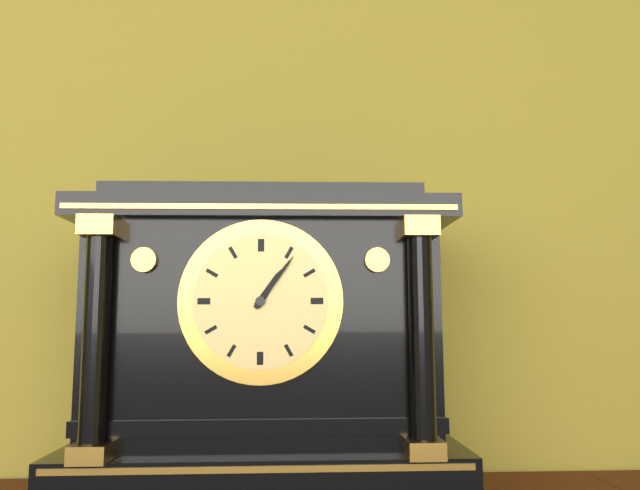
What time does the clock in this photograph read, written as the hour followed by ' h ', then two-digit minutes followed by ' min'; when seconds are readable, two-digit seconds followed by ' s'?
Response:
1 h 06 min
